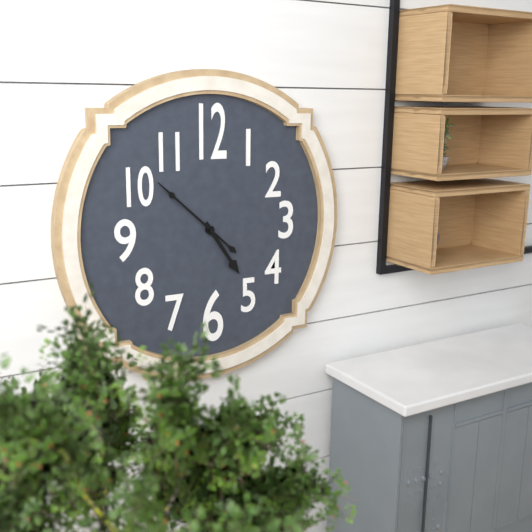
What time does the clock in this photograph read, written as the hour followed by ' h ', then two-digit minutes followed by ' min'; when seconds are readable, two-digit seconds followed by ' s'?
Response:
4 h 52 min
